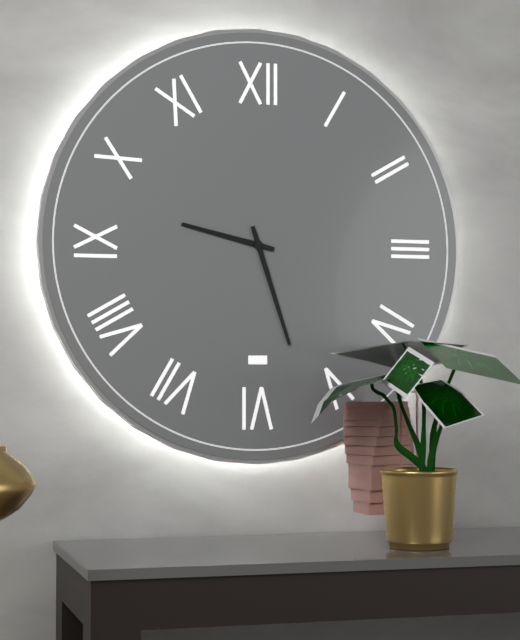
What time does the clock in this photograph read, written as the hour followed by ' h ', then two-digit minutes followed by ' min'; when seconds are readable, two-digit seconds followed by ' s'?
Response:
9 h 27 min
